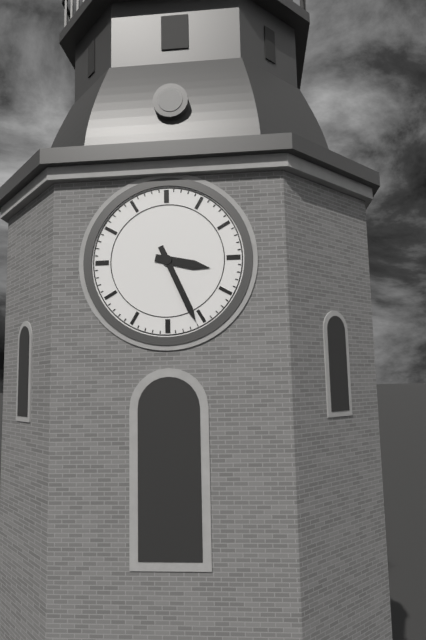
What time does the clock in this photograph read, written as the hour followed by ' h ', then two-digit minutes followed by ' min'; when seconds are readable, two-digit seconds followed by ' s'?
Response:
3 h 26 min
